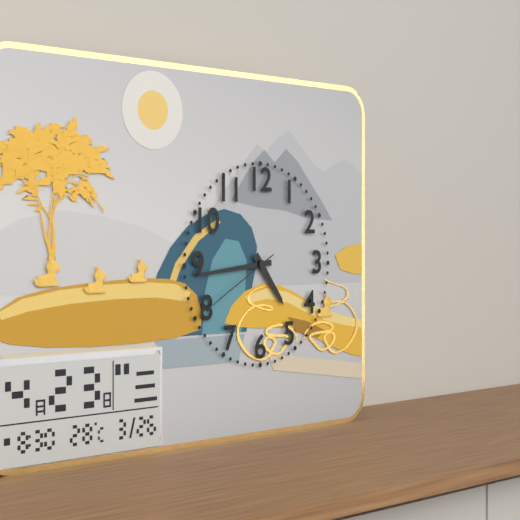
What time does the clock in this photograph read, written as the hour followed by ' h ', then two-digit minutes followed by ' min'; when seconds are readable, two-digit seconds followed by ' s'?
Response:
4 h 44 min 40 s
